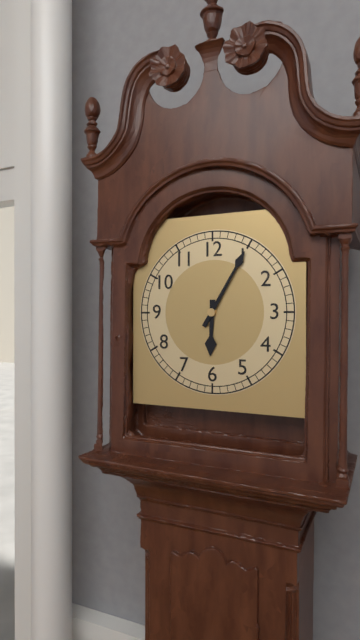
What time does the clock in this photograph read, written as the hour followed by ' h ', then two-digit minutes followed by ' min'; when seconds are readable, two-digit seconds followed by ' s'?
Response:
6 h 05 min
